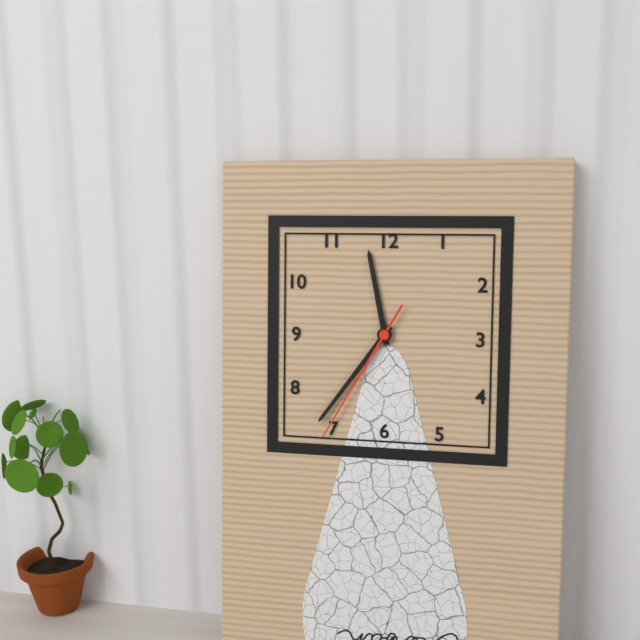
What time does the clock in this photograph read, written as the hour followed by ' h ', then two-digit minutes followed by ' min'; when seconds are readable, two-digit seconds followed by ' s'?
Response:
11 h 36 min 35 s
